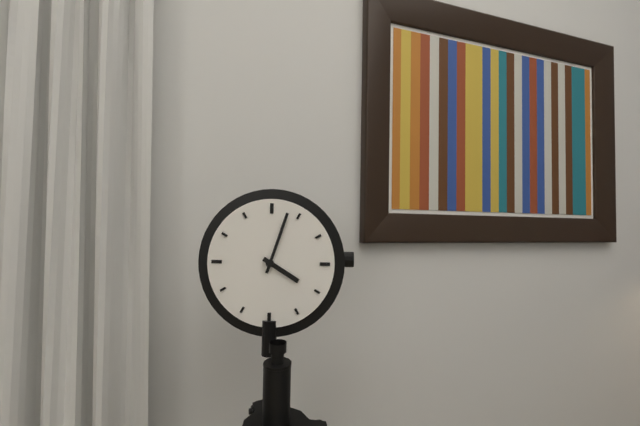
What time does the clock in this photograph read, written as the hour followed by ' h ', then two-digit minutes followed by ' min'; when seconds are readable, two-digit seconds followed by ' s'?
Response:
4 h 03 min
